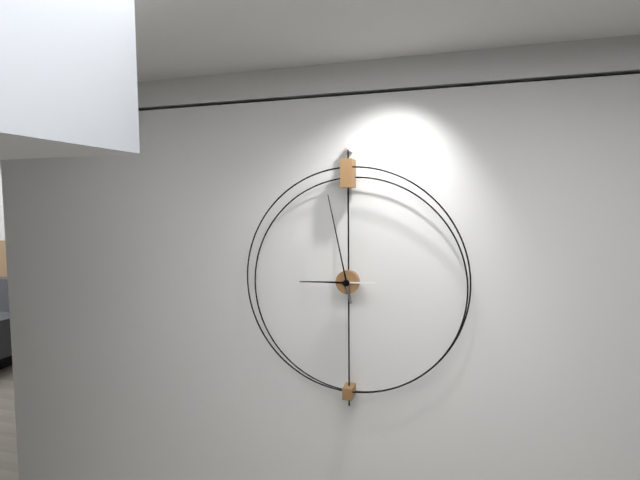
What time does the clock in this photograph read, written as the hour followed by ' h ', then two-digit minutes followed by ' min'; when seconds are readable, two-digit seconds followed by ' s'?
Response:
8 h 58 min
